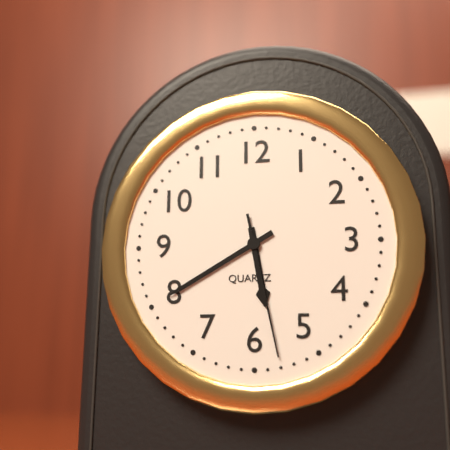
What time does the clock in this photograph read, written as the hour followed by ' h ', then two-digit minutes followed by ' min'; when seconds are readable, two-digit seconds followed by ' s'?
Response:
5 h 40 min 28 s
